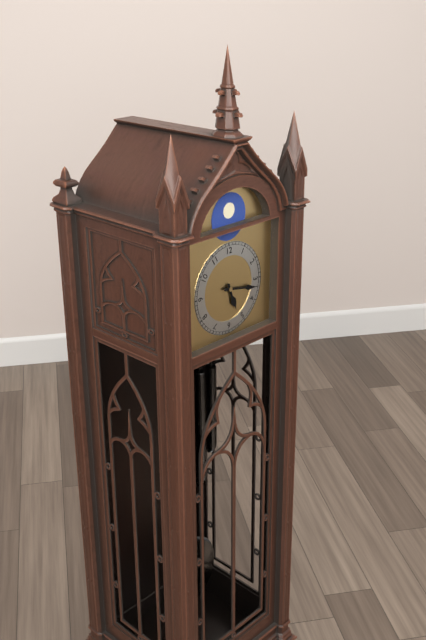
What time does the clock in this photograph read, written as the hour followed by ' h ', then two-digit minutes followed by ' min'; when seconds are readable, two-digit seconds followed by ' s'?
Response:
5 h 17 min
